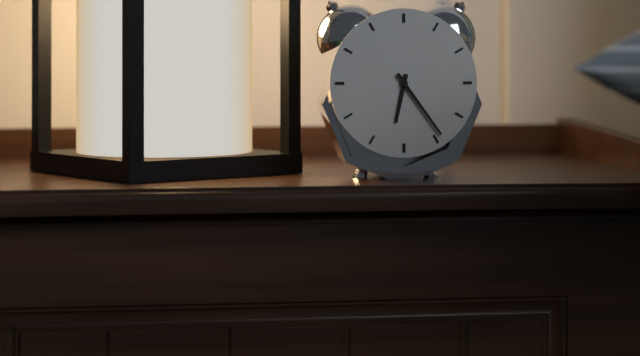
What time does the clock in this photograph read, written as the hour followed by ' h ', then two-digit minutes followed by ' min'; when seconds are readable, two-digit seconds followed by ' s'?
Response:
6 h 24 min
